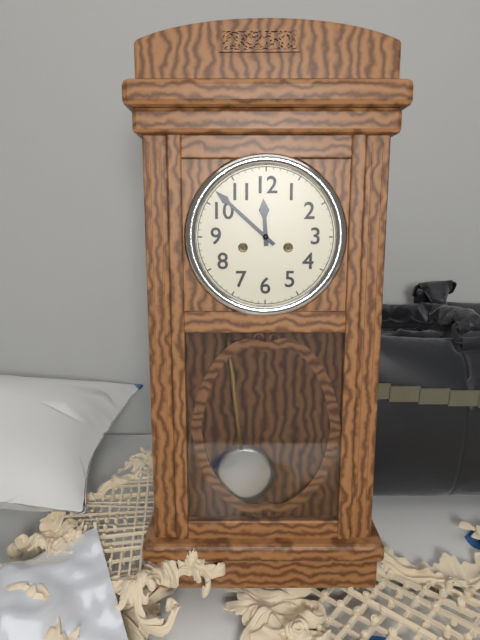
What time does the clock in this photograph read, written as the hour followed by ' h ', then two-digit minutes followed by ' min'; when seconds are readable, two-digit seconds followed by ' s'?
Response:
11 h 52 min
